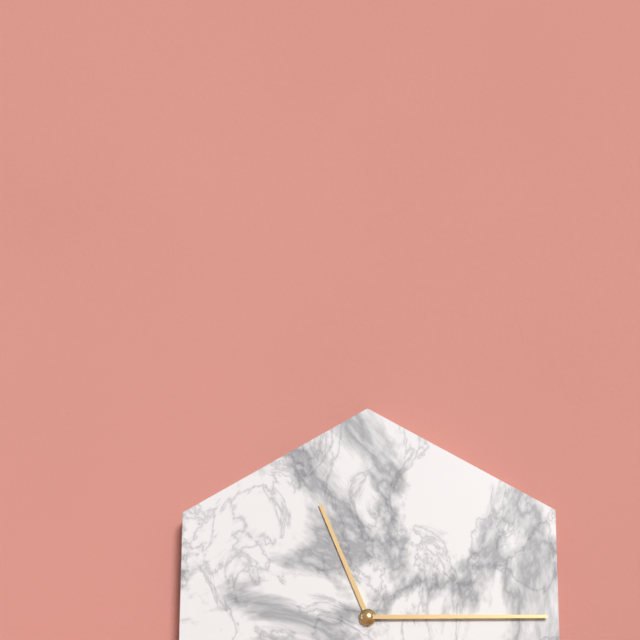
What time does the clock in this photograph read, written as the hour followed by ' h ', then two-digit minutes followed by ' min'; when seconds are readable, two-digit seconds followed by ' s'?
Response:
11 h 15 min
